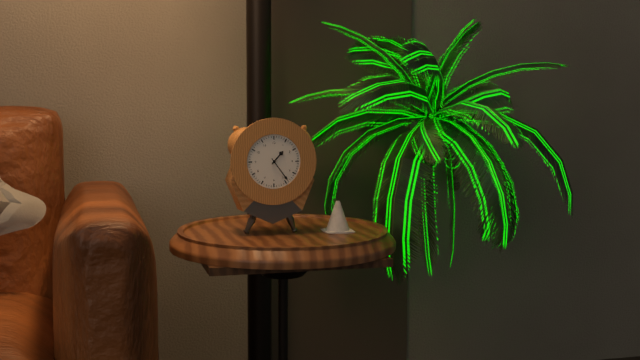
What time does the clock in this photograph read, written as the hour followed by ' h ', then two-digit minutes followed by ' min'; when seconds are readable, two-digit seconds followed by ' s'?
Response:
1 h 24 min
